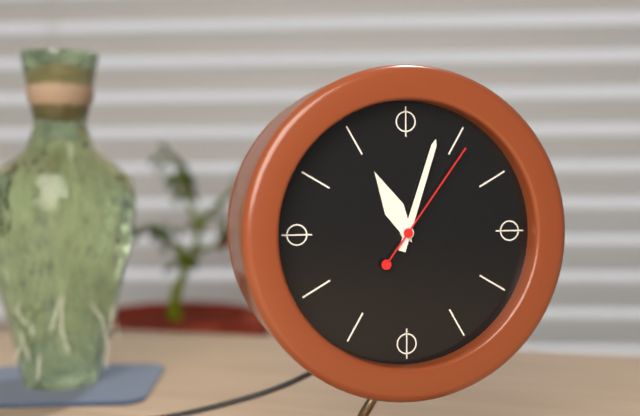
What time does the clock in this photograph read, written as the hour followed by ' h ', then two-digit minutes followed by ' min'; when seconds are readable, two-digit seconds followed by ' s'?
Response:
11 h 03 min 06 s
